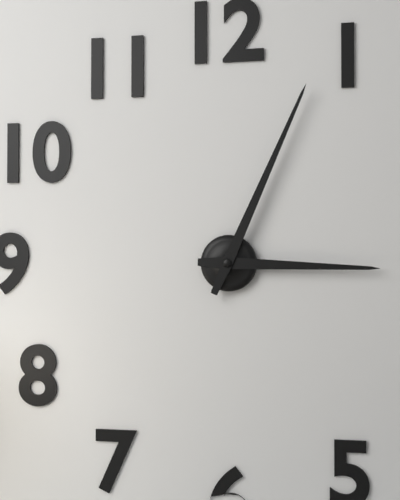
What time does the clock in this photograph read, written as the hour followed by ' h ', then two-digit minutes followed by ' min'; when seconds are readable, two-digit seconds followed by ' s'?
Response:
3 h 04 min
